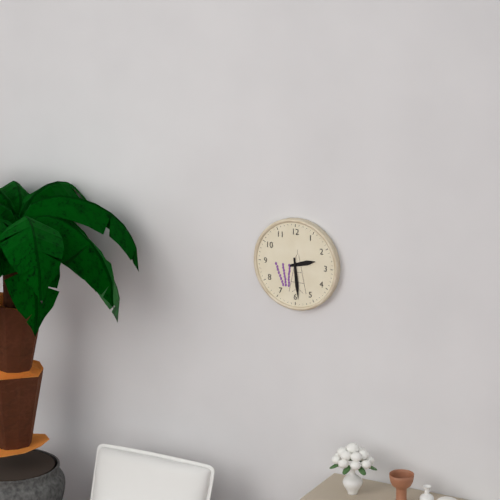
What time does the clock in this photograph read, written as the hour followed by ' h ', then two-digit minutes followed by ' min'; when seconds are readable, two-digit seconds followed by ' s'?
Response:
2 h 29 min
